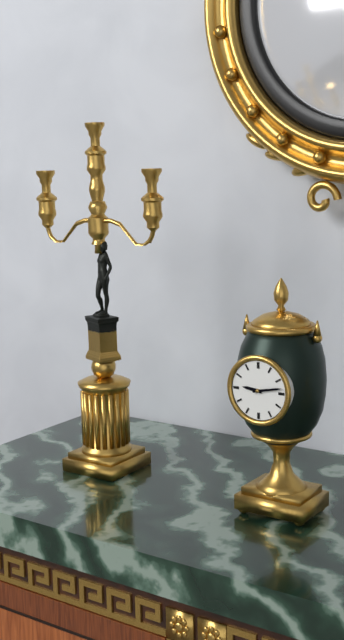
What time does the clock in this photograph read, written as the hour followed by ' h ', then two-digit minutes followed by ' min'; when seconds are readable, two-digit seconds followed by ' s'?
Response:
9 h 13 min
